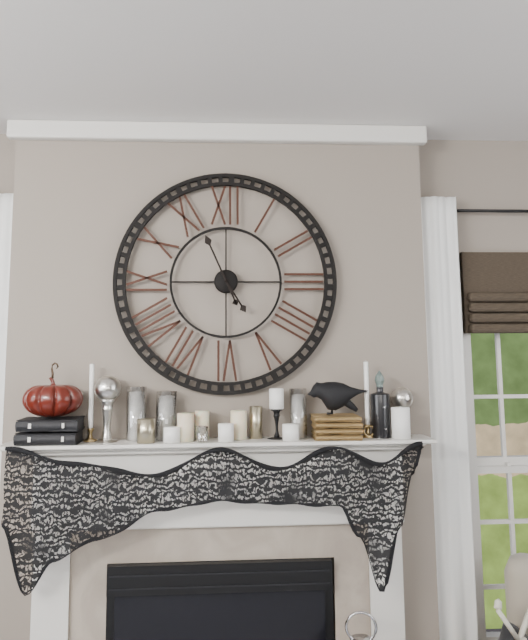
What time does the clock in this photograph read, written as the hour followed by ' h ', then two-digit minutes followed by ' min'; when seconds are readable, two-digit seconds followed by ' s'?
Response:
4 h 56 min
